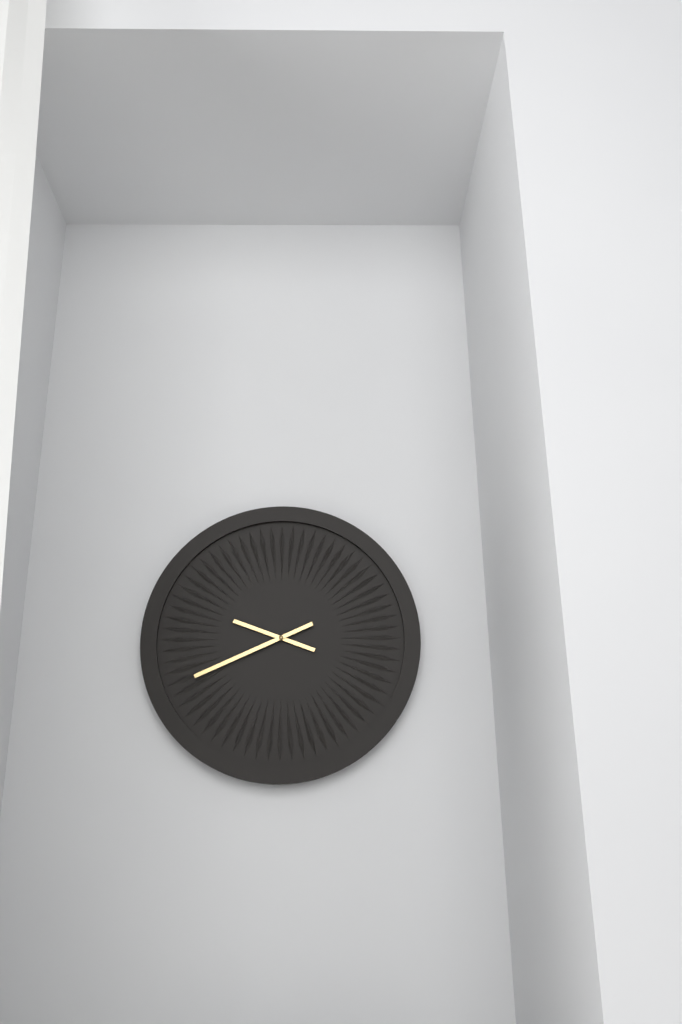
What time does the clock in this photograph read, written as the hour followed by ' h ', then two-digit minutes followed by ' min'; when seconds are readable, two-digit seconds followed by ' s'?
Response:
9 h 41 min
